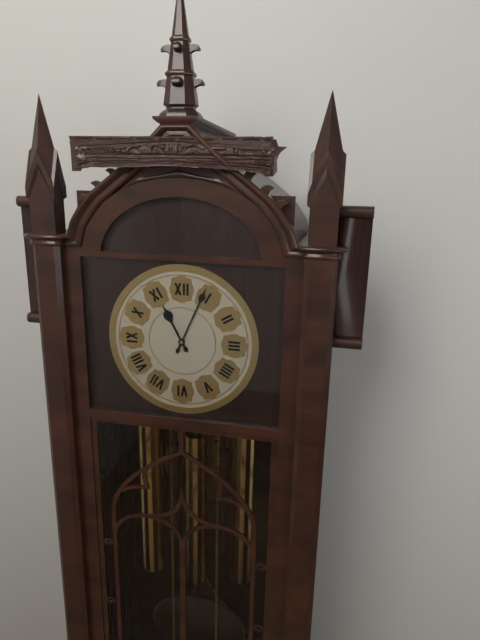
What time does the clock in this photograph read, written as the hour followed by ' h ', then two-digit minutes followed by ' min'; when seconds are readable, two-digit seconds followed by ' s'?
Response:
11 h 04 min
